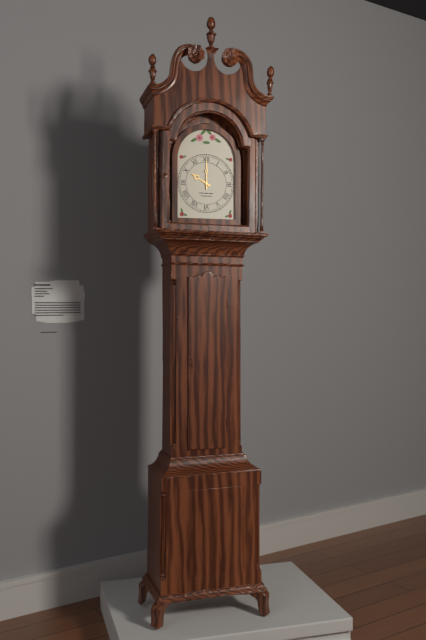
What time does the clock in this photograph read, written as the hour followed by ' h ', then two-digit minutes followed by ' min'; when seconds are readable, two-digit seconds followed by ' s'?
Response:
10 h 00 min
